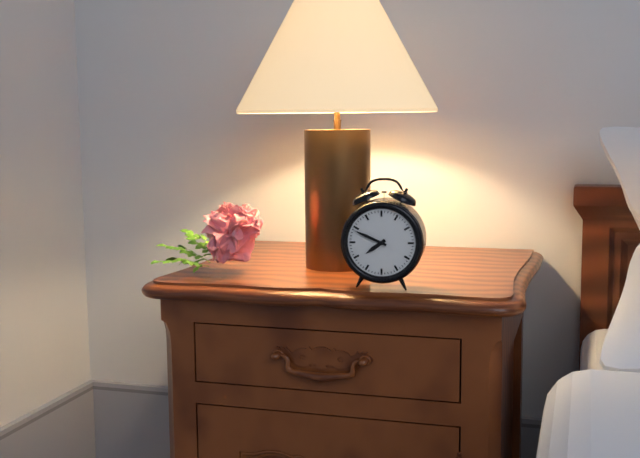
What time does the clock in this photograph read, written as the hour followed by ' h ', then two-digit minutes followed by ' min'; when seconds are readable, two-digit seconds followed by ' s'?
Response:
7 h 49 min
